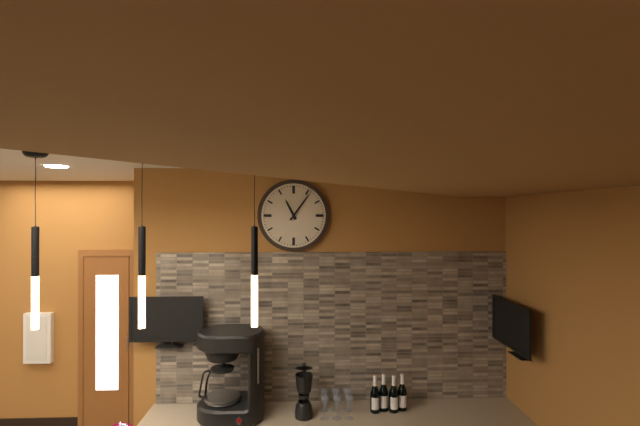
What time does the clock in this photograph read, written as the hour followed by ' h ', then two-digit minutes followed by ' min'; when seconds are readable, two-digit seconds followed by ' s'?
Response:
11 h 06 min
